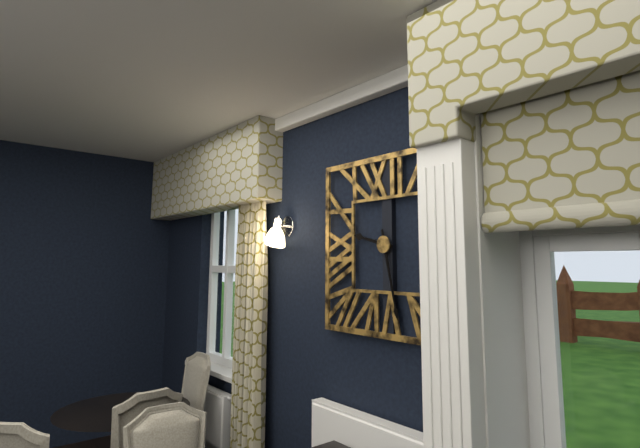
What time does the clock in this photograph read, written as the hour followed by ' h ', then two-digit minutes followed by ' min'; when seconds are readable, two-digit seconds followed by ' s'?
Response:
9 h 28 min
